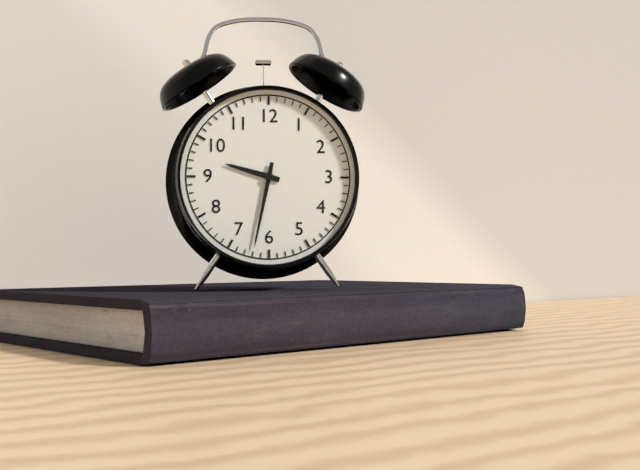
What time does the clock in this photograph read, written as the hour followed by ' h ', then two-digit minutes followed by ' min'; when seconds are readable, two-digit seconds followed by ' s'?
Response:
9 h 32 min
